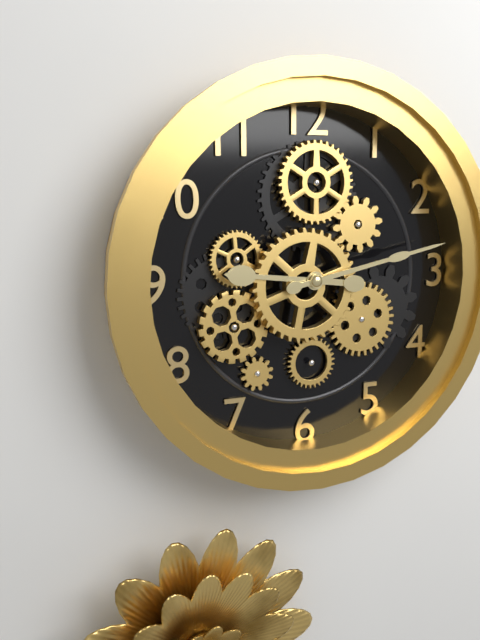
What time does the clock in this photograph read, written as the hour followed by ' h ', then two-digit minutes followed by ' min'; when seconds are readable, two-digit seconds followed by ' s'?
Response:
9 h 13 min
